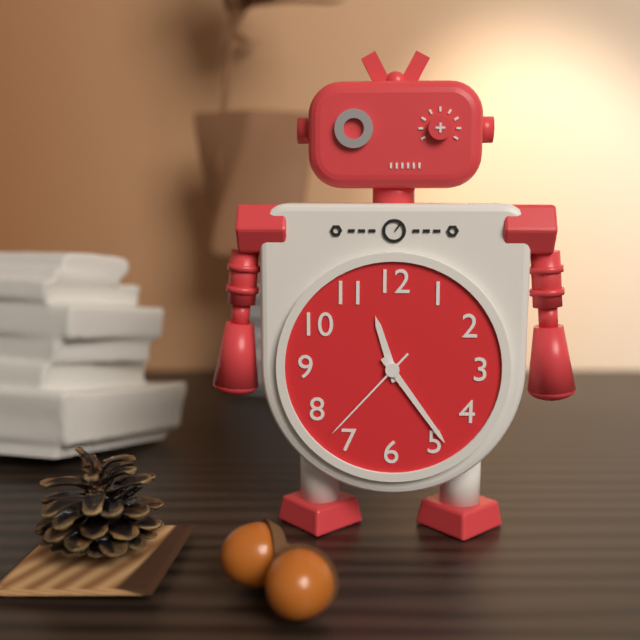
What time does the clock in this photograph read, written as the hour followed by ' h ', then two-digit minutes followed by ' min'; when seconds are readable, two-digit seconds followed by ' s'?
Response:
11 h 24 min 37 s
